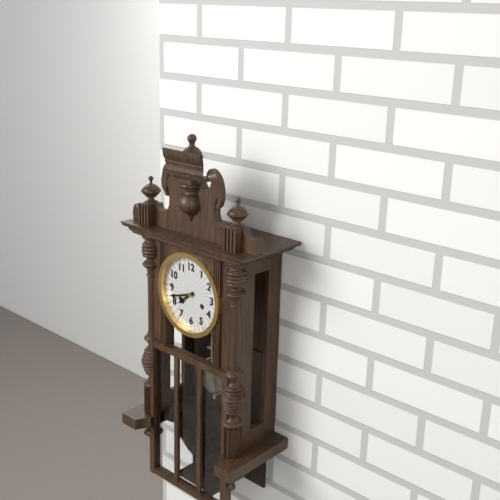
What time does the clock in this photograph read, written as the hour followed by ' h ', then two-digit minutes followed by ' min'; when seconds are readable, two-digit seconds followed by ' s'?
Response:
7 h 42 min
